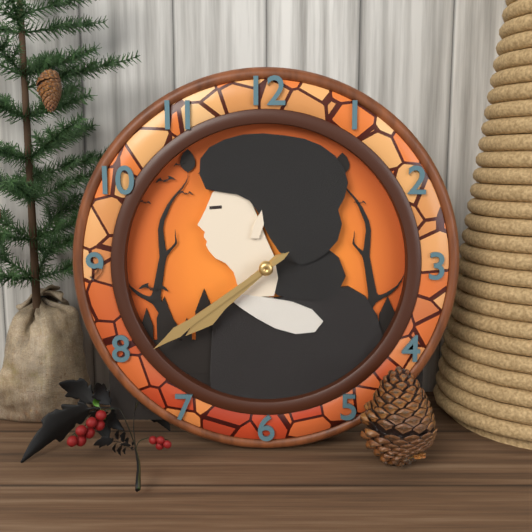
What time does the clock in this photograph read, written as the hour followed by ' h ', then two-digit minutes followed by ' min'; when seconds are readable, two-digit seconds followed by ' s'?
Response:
7 h 39 min
